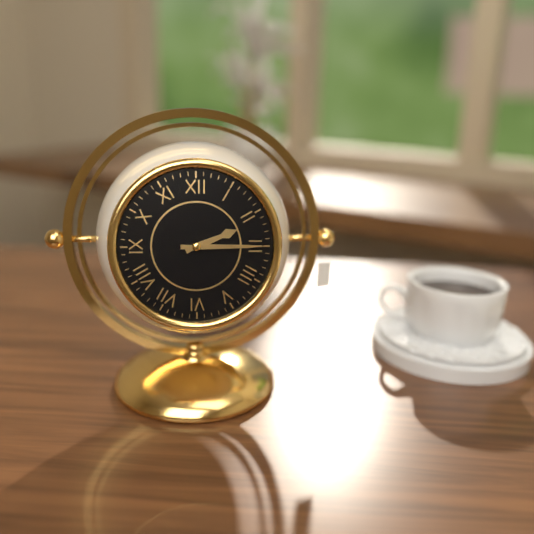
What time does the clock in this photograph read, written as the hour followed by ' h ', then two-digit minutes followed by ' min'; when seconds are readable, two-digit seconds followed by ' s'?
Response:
2 h 15 min
